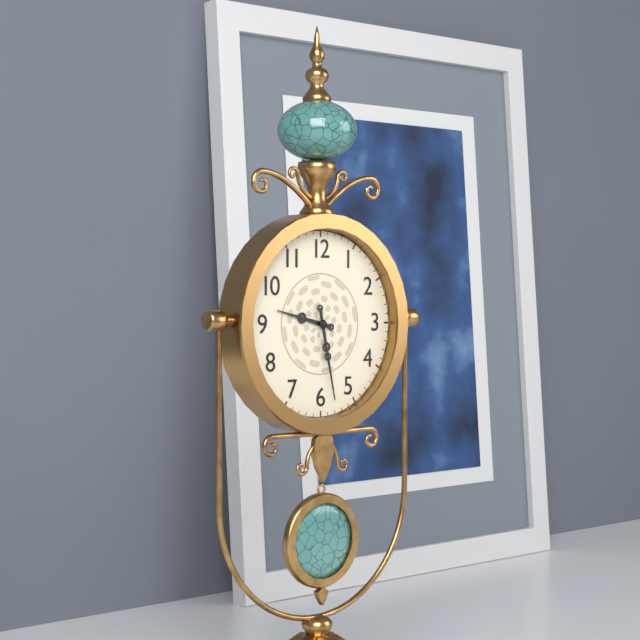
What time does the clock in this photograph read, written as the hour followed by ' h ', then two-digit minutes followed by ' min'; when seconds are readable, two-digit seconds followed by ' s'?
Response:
9 h 28 min
